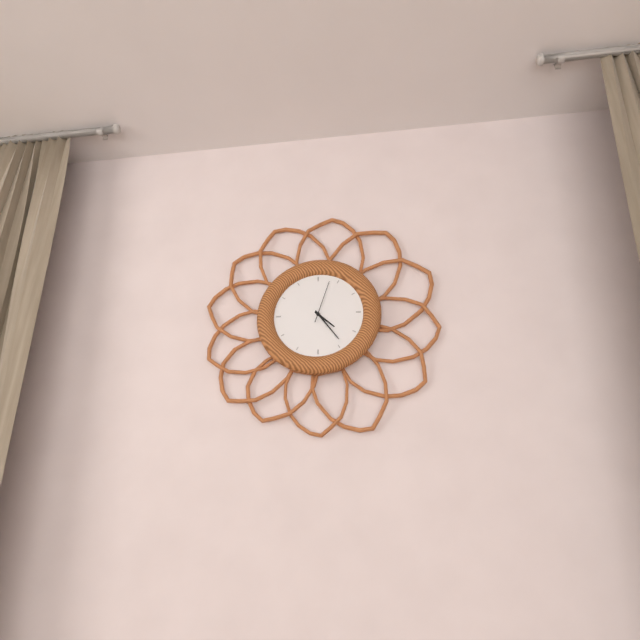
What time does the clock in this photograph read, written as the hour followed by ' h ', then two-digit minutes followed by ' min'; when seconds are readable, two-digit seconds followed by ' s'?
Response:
4 h 24 min
